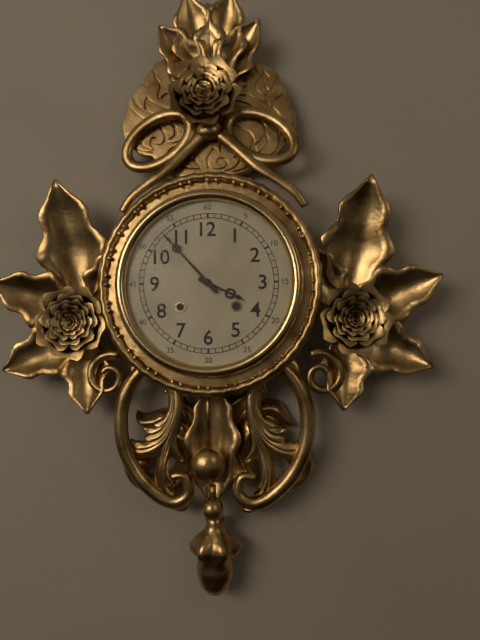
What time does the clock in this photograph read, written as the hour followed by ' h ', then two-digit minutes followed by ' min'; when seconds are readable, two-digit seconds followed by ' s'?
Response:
3 h 53 min
